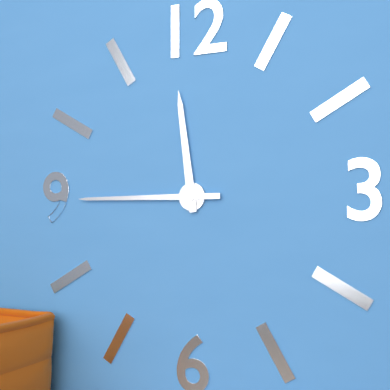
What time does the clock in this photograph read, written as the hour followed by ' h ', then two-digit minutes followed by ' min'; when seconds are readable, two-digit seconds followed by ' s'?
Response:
11 h 45 min
